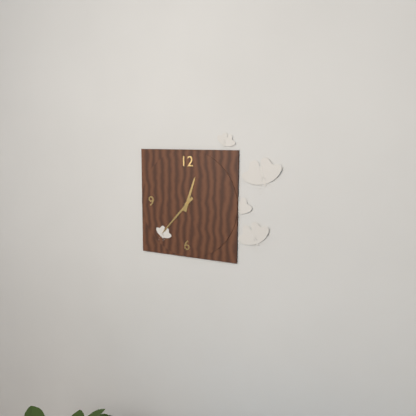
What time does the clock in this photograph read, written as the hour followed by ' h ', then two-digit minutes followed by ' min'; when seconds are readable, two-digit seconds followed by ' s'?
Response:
12 h 37 min
